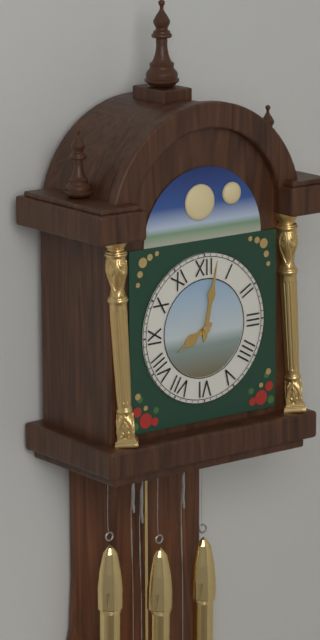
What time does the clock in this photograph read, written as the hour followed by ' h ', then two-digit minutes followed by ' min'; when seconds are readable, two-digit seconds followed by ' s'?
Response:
8 h 02 min
